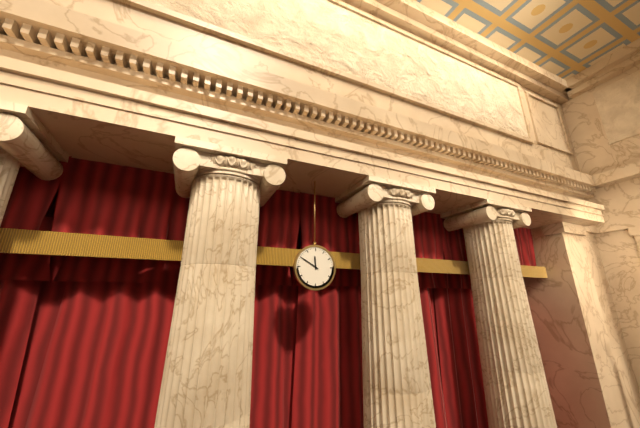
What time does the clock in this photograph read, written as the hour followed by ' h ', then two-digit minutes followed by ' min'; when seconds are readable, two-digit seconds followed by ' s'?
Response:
11 h 50 min
